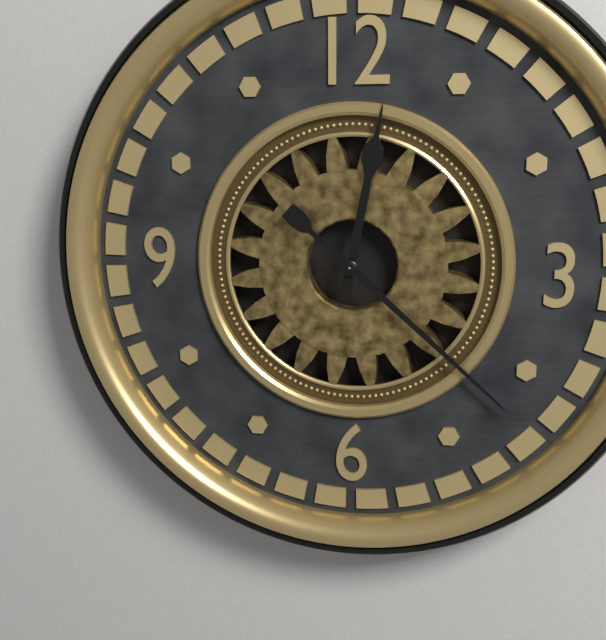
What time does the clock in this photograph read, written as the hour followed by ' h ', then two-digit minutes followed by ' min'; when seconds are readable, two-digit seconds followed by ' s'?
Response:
12 h 22 min
